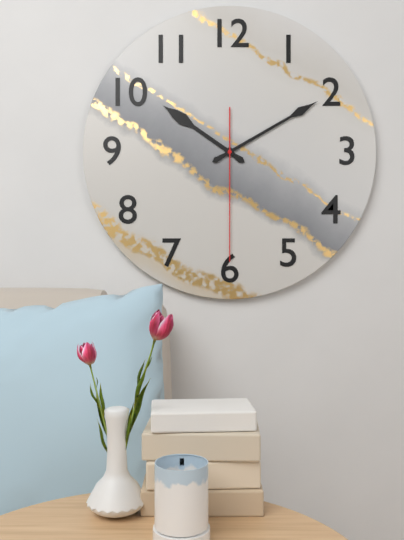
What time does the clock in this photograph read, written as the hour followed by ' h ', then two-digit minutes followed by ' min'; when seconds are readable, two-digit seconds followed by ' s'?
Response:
10 h 10 min 30 s
